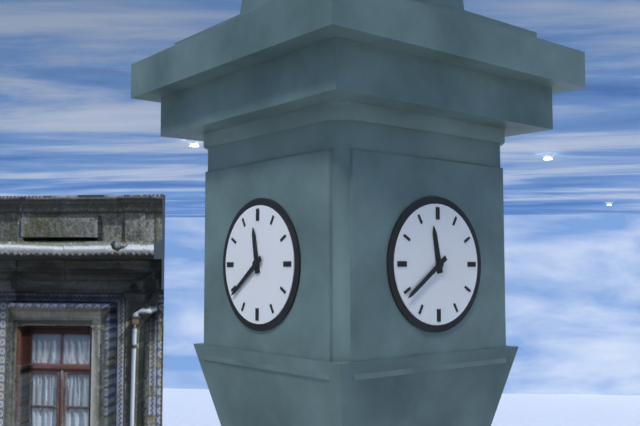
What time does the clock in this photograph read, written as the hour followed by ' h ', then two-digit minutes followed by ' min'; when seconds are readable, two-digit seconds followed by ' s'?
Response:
11 h 39 min
